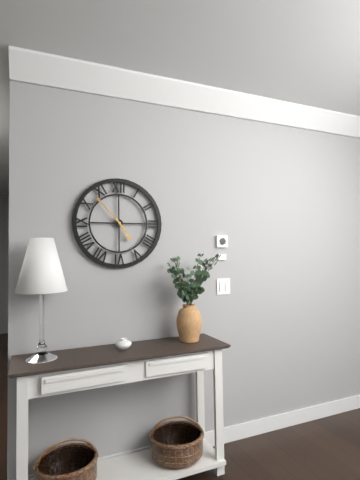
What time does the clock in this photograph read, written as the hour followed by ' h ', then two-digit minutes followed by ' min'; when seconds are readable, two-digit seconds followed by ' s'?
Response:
4 h 53 min
